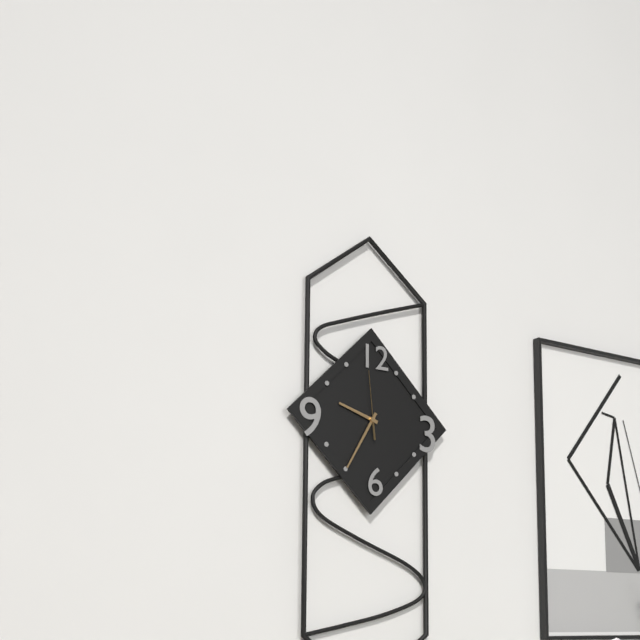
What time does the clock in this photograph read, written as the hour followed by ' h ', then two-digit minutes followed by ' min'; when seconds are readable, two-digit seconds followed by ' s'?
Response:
9 h 35 min 59 s
